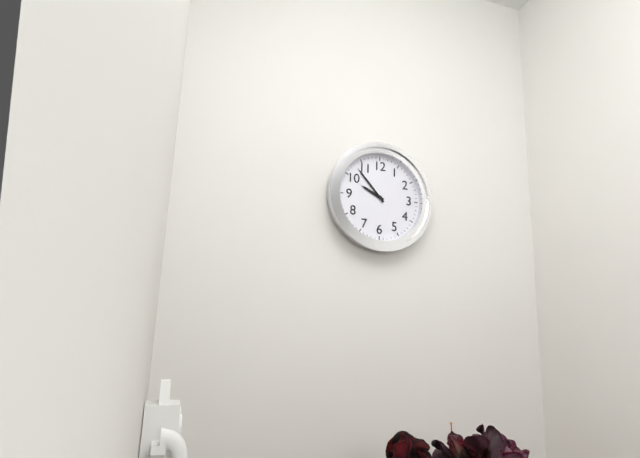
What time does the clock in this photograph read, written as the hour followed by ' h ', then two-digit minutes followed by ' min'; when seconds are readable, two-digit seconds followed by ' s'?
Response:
9 h 53 min
